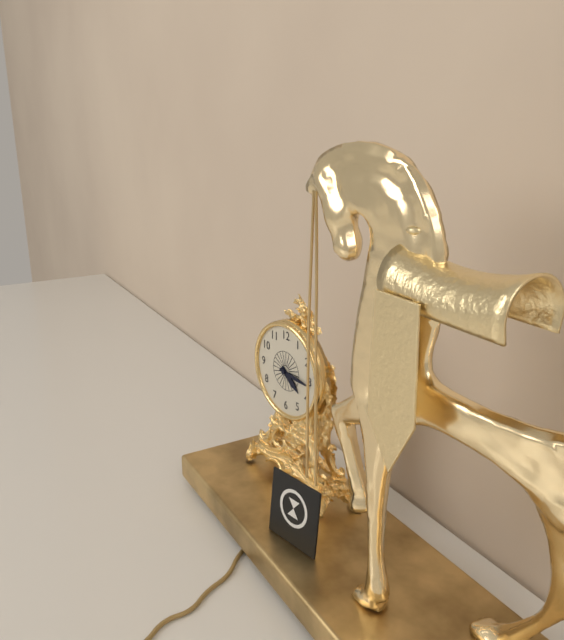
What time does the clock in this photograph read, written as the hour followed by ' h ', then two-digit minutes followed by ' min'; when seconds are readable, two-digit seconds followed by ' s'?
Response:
4 h 16 min
